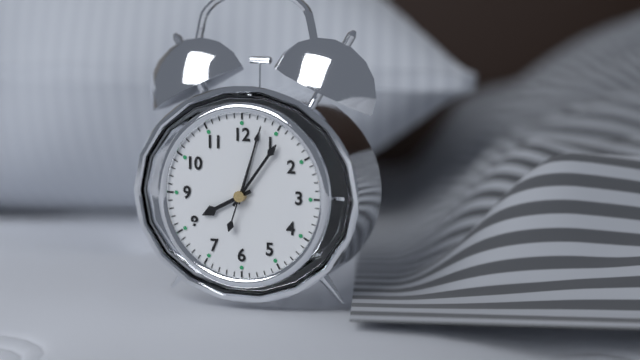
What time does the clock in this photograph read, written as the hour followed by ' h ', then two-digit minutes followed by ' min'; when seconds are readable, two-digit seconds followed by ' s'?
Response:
8 h 06 min 03 s
